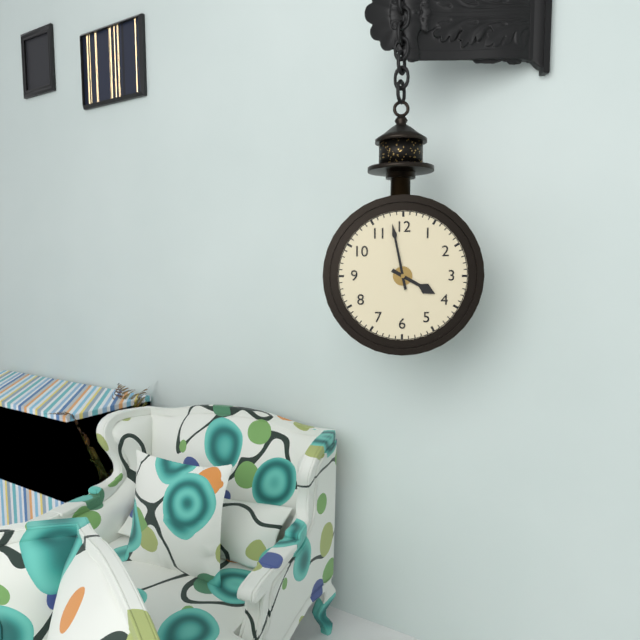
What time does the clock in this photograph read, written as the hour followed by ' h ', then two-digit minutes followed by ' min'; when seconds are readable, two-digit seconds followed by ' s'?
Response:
3 h 58 min
